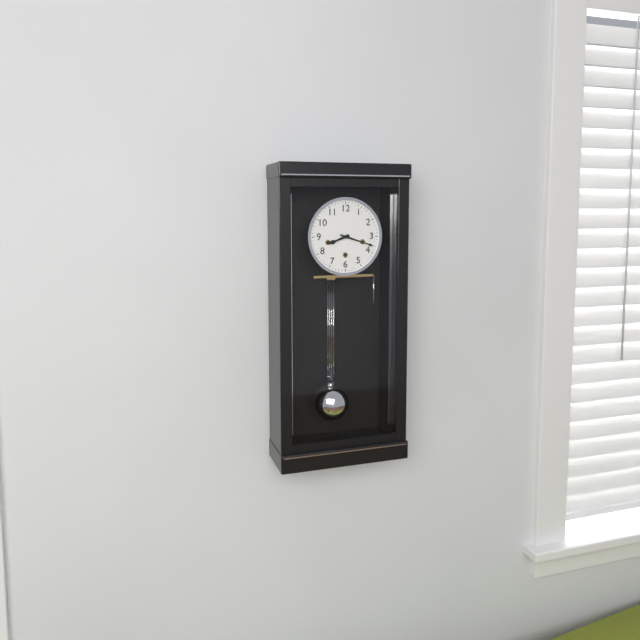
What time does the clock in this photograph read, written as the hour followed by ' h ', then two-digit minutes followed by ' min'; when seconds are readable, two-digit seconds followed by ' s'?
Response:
8 h 18 min
